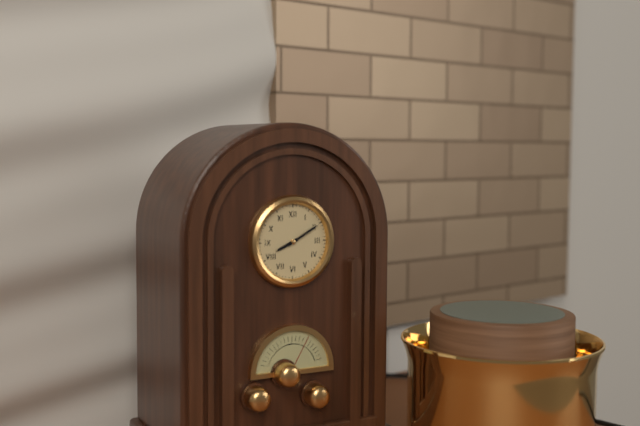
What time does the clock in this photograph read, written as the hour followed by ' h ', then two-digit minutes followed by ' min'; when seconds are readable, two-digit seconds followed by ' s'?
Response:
8 h 10 min
